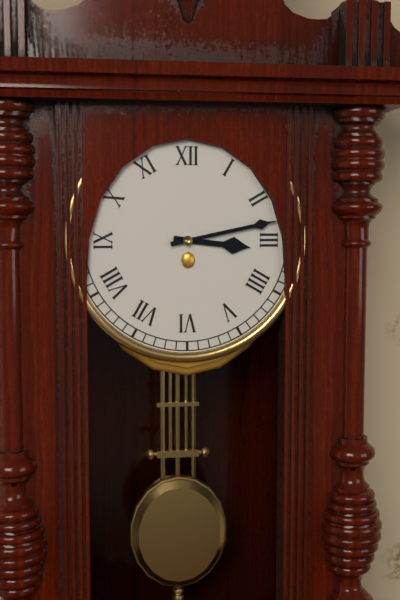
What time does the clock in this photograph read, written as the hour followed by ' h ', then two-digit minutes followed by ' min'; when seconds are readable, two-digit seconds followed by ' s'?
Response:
3 h 13 min
